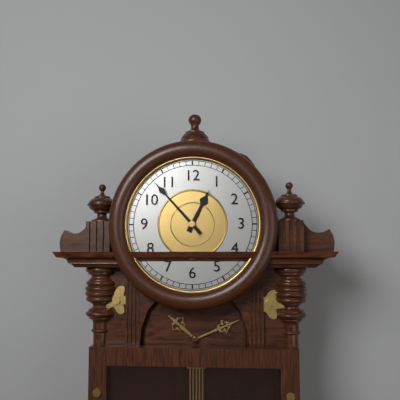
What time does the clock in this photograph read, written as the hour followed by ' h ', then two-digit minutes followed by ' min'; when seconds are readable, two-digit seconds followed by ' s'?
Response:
12 h 53 min
